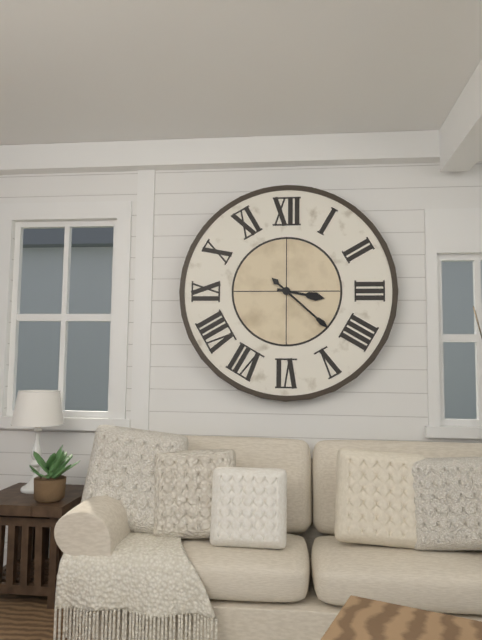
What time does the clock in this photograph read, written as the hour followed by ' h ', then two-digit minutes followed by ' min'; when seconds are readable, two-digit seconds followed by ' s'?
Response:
3 h 22 min
